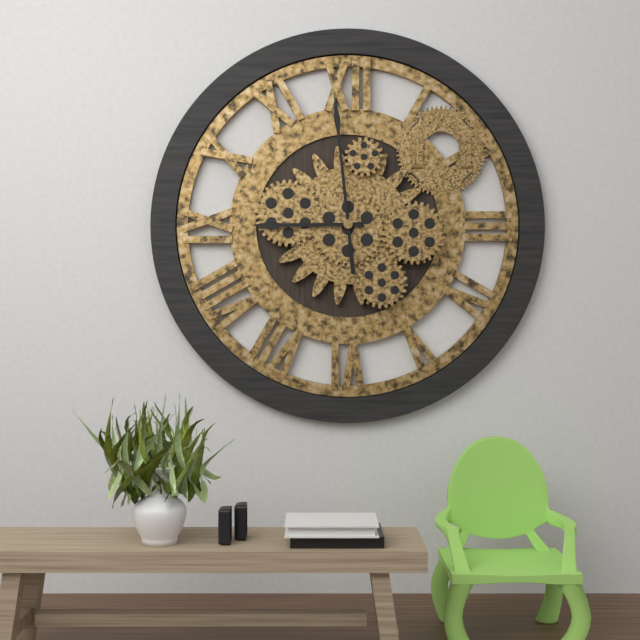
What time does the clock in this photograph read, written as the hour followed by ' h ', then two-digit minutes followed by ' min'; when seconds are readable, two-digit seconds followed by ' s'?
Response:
8 h 59 min
